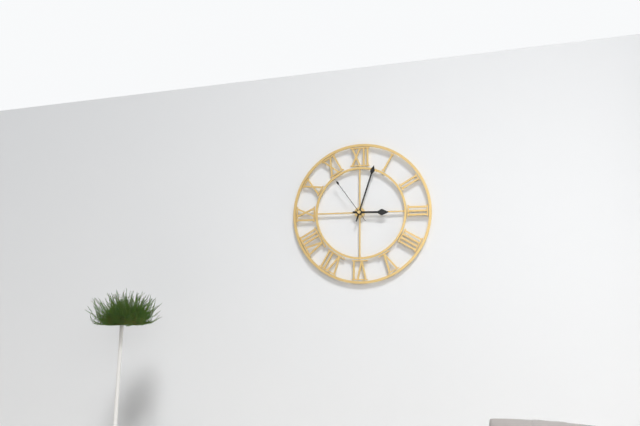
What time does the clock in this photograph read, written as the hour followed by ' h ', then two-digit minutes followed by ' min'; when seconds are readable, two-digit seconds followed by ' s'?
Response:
3 h 03 min
